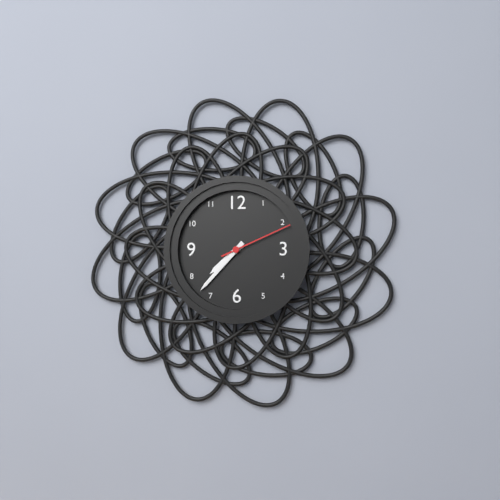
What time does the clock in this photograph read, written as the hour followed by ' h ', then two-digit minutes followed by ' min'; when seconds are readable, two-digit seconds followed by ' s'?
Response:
7 h 37 min 11 s
